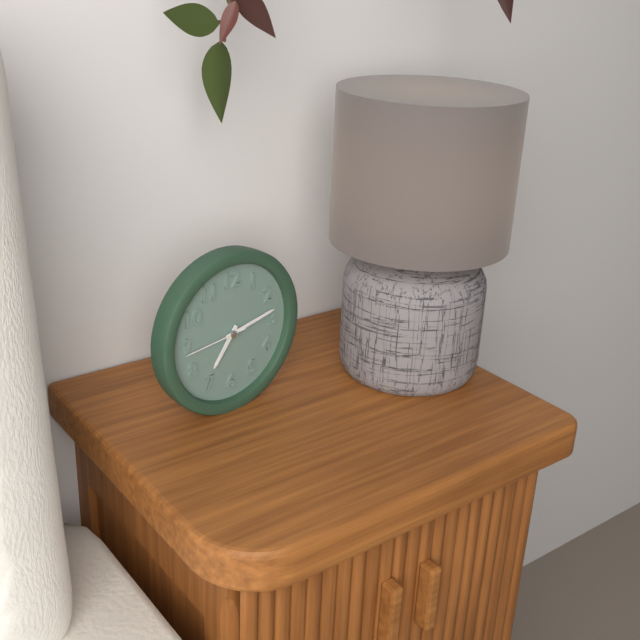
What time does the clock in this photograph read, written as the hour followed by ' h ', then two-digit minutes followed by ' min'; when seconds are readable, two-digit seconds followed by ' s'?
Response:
7 h 13 min 44 s
